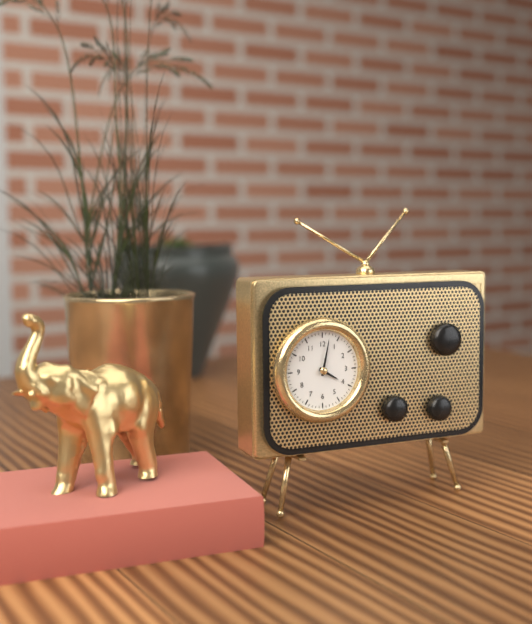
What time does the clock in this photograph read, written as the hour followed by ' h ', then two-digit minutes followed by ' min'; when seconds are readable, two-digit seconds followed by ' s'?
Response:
4 h 02 min
